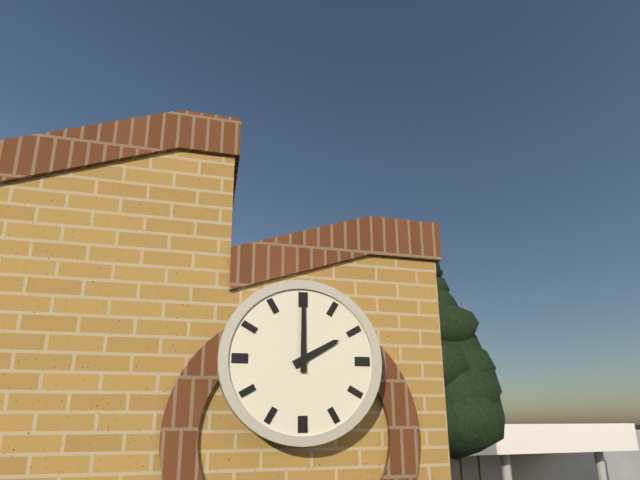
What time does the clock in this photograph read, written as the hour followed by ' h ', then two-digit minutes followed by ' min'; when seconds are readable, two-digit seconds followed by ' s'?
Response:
2 h 00 min
